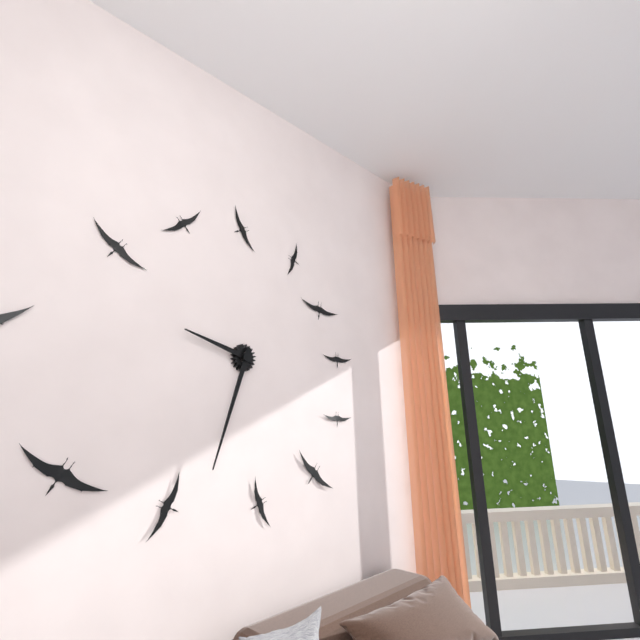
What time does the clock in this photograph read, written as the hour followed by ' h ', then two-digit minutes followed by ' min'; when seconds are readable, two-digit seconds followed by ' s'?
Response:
9 h 33 min
